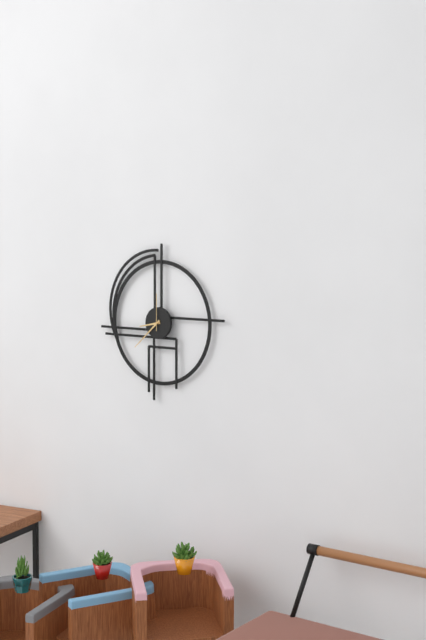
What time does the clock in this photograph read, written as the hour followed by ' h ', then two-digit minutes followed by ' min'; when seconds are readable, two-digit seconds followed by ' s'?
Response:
8 h 38 min
